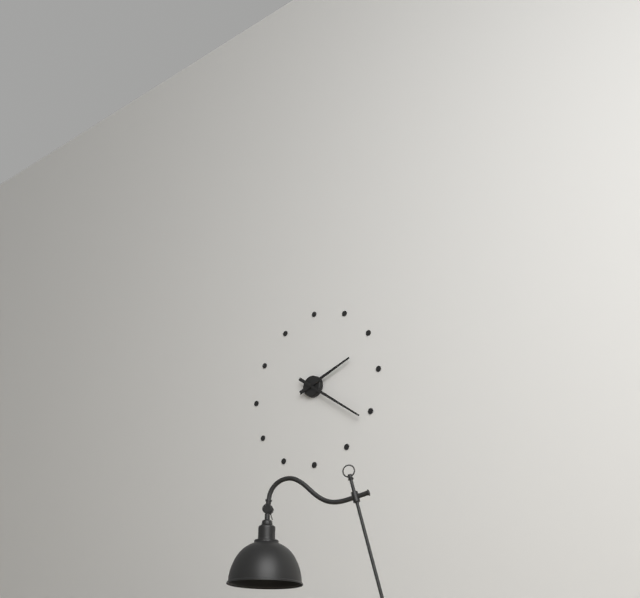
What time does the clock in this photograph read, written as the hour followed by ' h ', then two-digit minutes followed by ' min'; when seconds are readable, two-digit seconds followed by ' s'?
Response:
2 h 21 min
